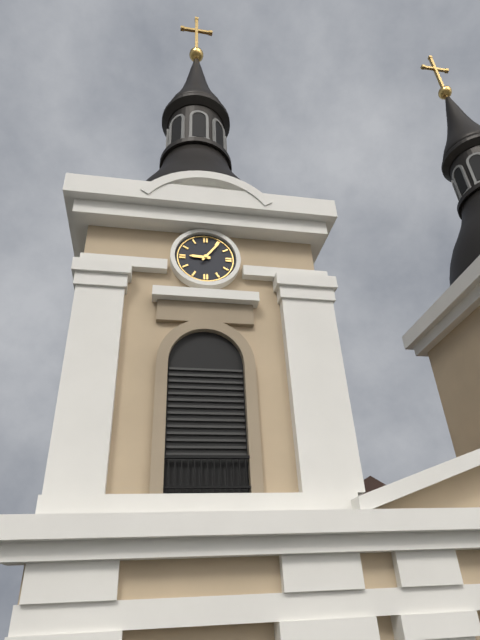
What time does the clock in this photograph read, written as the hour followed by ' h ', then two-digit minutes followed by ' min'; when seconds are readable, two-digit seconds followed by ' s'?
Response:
9 h 06 min
